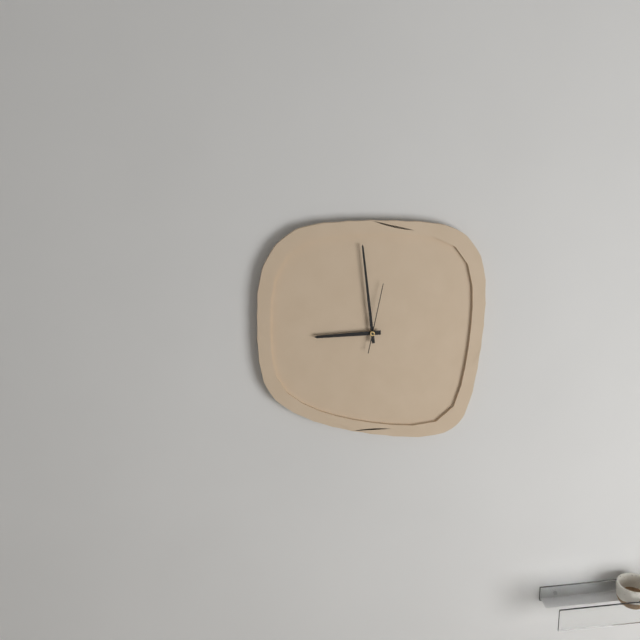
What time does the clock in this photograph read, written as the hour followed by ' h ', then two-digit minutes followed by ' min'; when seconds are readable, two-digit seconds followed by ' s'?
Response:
8 h 59 min 02 s
